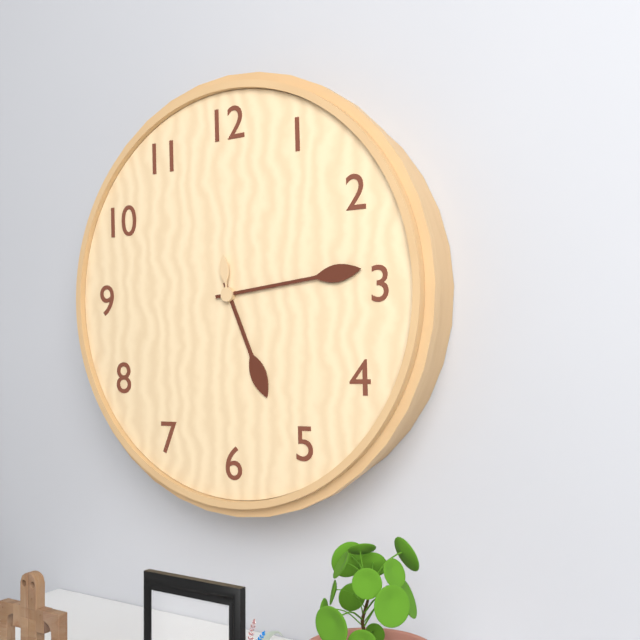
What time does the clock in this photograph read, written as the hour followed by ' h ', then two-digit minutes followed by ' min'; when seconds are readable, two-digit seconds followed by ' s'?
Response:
5 h 14 min 59 s
